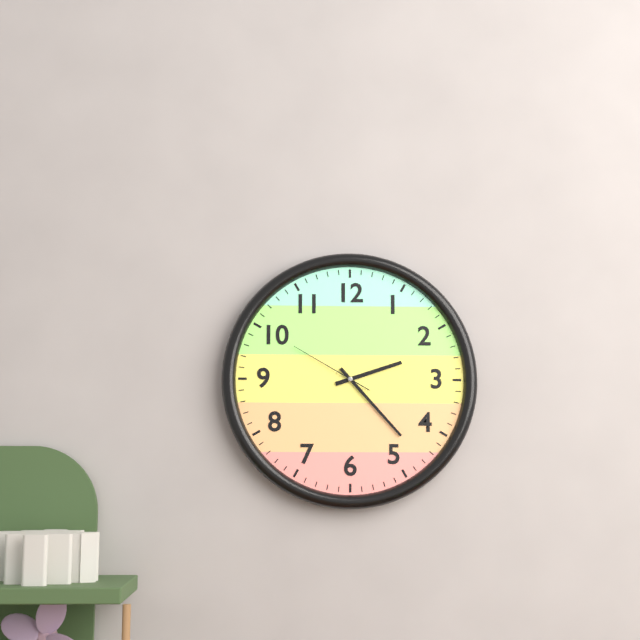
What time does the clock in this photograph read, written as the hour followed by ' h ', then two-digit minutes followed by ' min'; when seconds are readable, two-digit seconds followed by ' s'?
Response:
2 h 23 min 50 s
